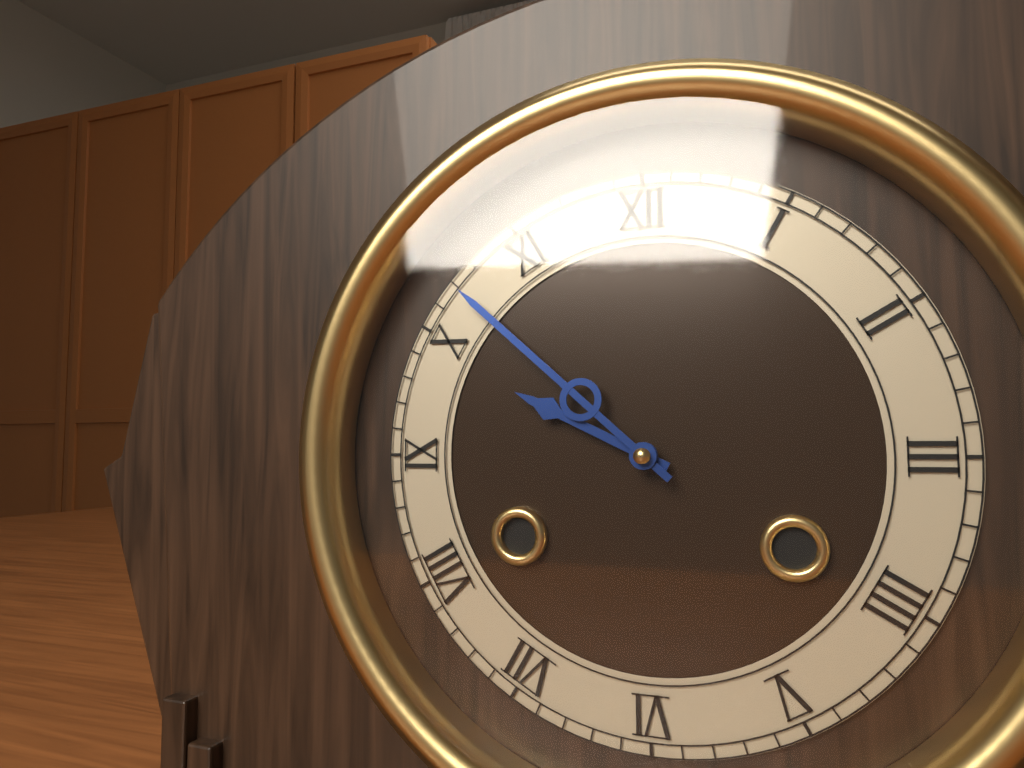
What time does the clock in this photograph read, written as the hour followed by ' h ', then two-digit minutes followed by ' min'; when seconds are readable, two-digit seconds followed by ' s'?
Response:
9 h 52 min
